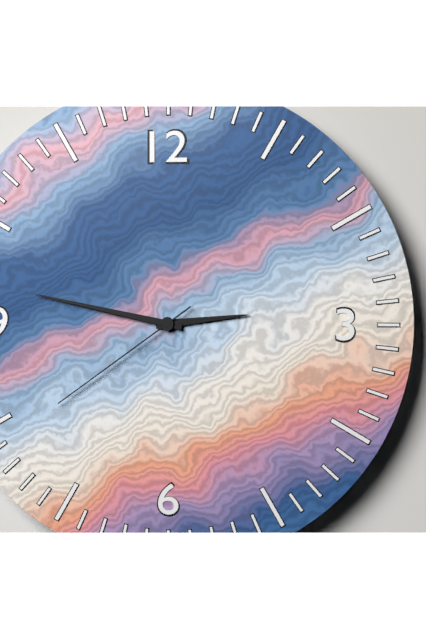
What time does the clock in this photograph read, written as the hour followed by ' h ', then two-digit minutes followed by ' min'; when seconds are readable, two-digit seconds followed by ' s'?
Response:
2 h 47 min 39 s
